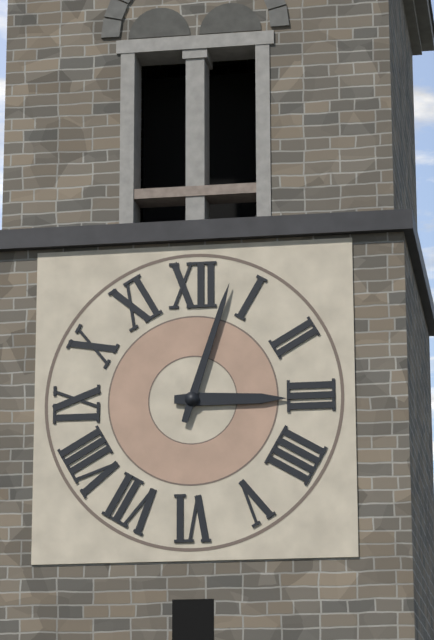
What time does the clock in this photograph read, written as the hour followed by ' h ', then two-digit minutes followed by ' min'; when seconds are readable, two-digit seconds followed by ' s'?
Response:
3 h 03 min
